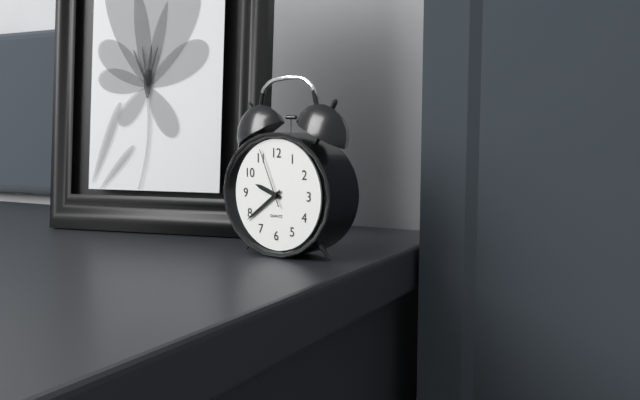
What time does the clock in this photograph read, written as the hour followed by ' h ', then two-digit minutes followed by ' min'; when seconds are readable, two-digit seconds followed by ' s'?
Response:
9 h 39 min 56 s
